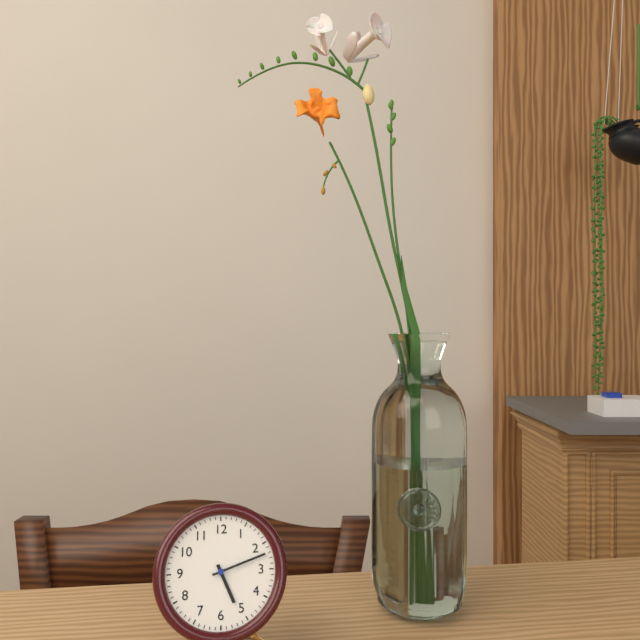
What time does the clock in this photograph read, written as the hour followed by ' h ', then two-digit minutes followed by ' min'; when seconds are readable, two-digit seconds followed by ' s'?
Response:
5 h 12 min
